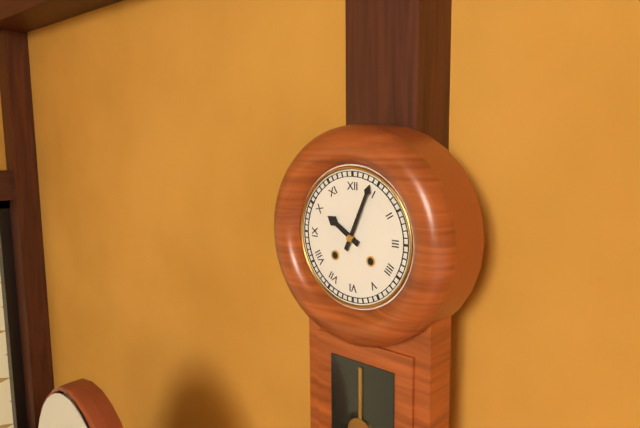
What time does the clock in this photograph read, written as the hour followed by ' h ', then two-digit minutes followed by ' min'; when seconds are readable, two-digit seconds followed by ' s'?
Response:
10 h 04 min
